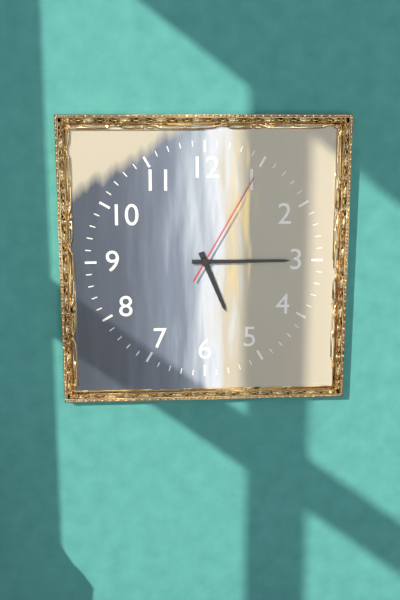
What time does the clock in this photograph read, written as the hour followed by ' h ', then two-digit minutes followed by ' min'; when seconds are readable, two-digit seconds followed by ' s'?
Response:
5 h 15 min 05 s
